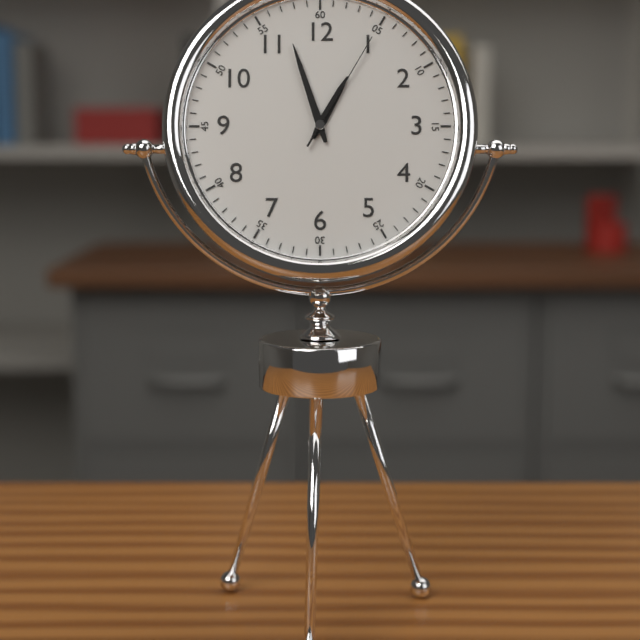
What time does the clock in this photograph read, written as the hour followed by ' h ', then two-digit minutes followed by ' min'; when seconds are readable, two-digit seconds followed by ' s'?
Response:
12 h 57 min 05 s
